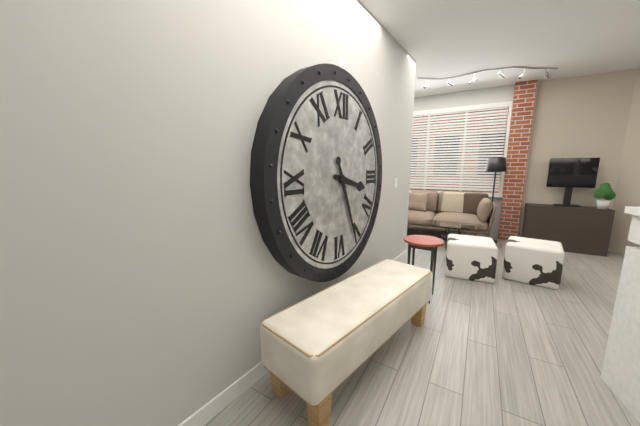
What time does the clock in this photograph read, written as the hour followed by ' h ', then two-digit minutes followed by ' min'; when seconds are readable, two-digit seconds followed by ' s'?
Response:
3 h 26 min
